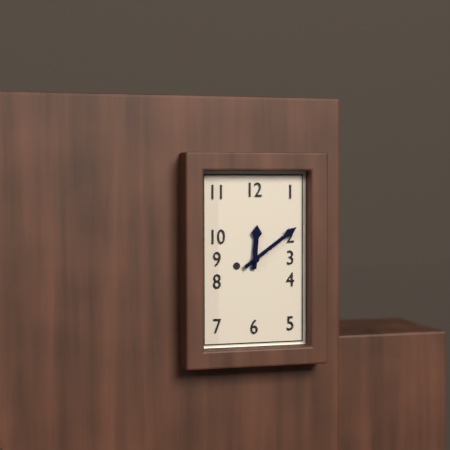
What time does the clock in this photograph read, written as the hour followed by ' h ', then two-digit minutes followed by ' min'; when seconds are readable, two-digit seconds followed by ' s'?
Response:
12 h 09 min
